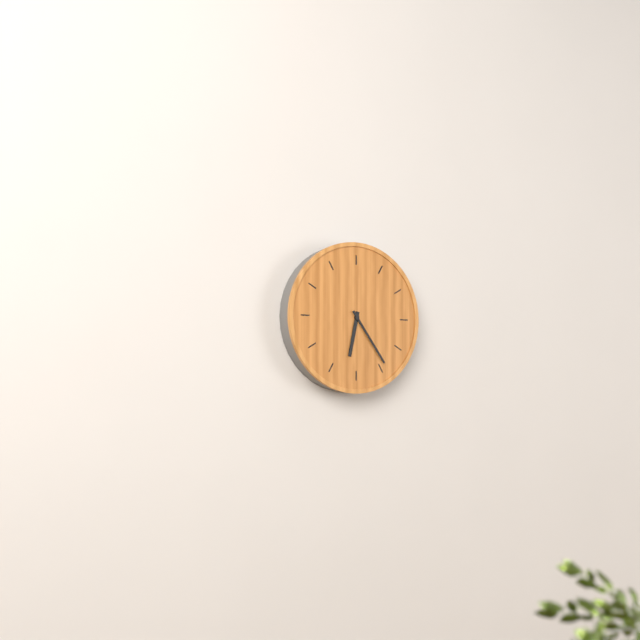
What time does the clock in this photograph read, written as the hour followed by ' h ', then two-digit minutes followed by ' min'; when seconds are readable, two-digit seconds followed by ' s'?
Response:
6 h 24 min
